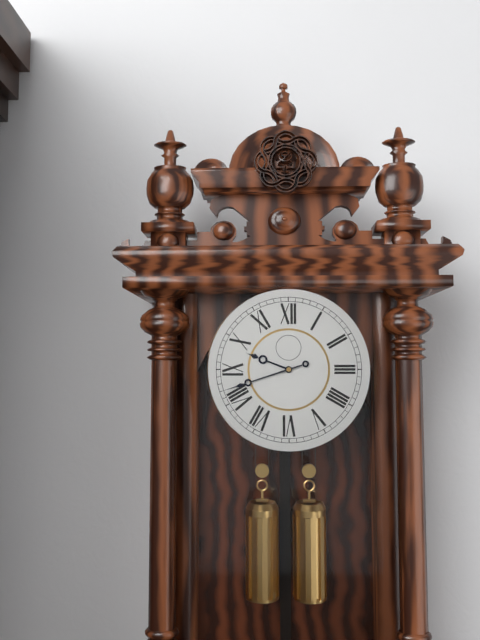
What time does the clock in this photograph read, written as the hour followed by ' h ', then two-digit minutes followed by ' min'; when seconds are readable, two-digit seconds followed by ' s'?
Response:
9 h 42 min
